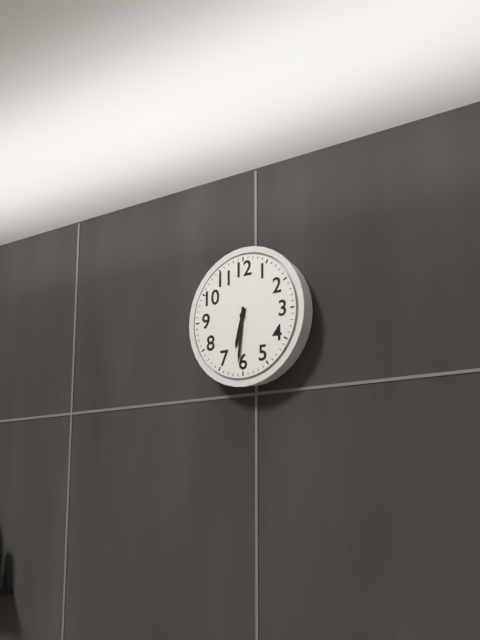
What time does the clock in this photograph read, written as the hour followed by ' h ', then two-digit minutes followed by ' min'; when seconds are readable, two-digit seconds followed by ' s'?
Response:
6 h 31 min
